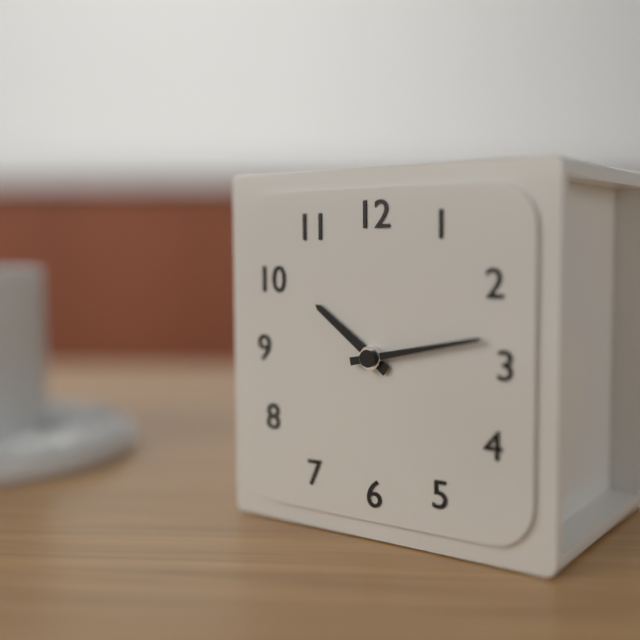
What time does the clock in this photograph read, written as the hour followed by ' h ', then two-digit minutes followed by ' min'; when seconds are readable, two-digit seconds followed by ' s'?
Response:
10 h 13 min
